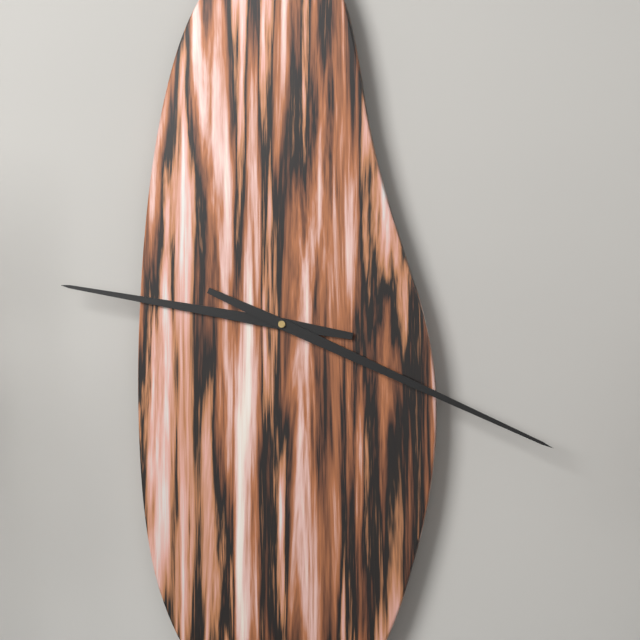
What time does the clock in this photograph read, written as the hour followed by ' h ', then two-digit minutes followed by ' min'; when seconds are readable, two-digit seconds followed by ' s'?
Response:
9 h 19 min
